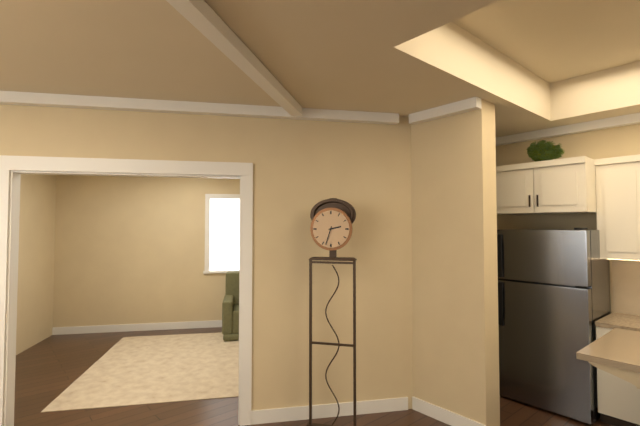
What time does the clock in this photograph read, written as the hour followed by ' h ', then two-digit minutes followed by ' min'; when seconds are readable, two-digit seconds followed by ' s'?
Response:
2 h 33 min
